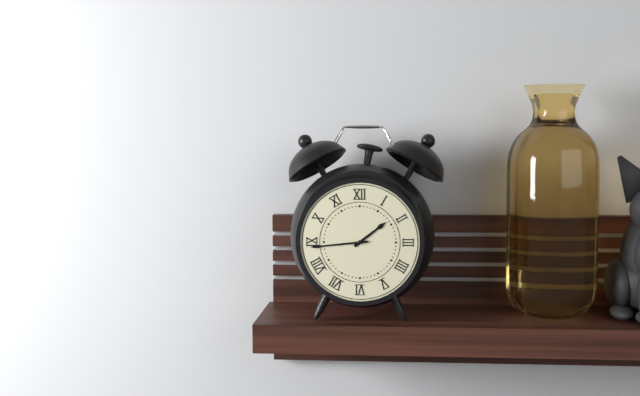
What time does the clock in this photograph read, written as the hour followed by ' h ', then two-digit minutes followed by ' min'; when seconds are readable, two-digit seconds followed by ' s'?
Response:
1 h 44 min
